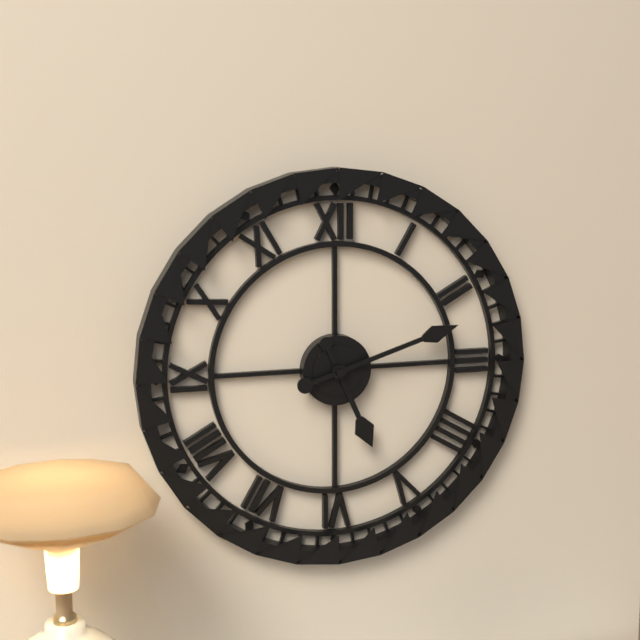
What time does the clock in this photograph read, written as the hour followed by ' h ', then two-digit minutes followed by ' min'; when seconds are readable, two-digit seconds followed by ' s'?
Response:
5 h 12 min
